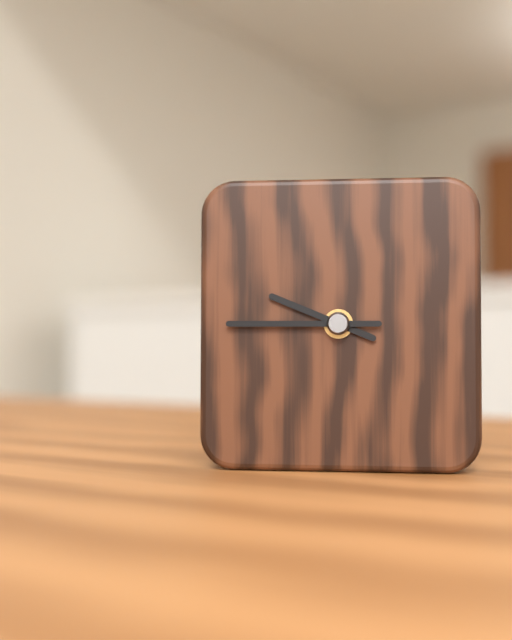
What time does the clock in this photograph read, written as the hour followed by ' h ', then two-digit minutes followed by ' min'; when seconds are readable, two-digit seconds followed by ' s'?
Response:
9 h 45 min
